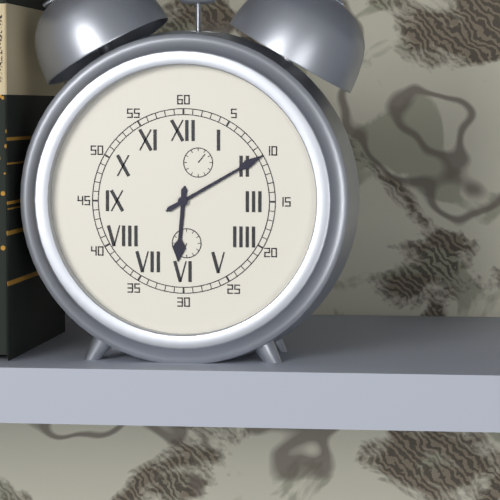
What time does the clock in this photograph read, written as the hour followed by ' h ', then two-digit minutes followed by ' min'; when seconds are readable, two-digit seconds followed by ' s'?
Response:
6 h 10 min
